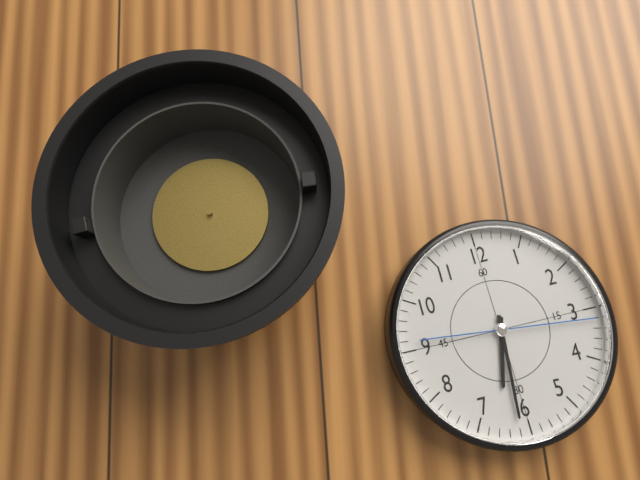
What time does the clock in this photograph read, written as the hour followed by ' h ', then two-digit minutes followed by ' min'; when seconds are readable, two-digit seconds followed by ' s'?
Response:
6 h 31 min 16 s
